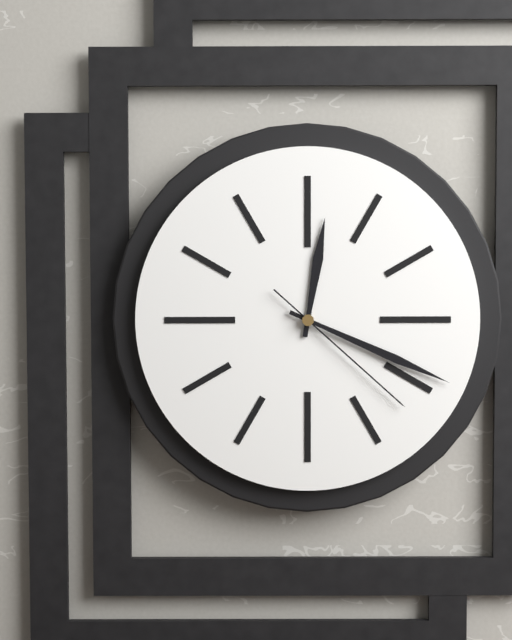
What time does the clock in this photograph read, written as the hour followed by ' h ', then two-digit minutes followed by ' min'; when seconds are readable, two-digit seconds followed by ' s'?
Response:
12 h 19 min 22 s
